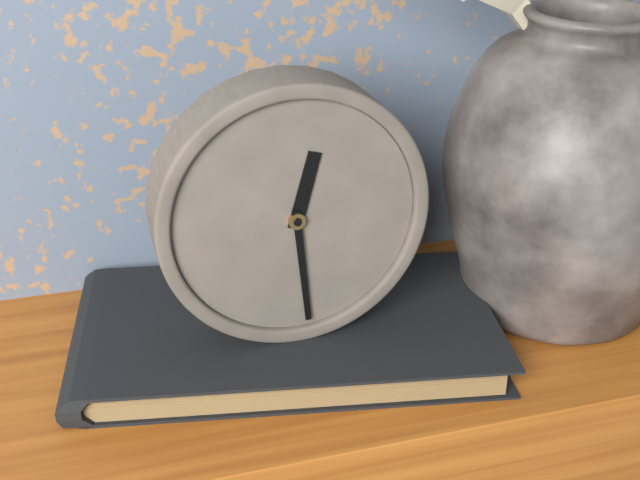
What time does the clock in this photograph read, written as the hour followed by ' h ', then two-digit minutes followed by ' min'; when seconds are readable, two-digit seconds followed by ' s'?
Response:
12 h 29 min
